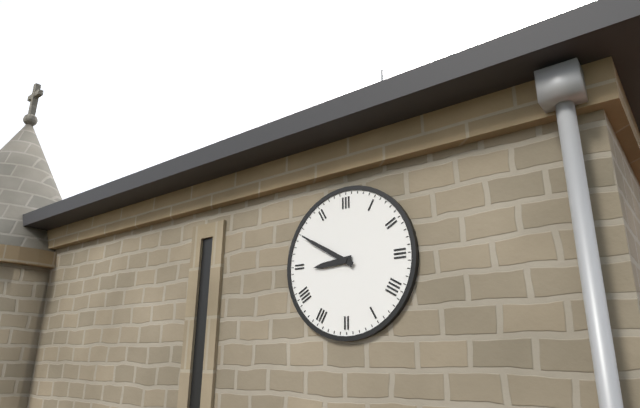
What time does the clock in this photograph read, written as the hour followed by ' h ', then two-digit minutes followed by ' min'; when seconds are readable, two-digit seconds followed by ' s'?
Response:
8 h 50 min
